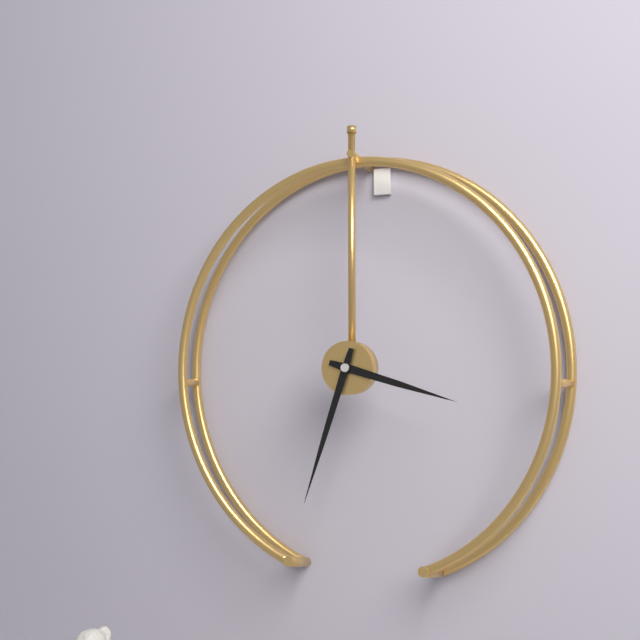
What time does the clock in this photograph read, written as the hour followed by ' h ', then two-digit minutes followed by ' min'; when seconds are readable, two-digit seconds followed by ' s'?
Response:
3 h 33 min
